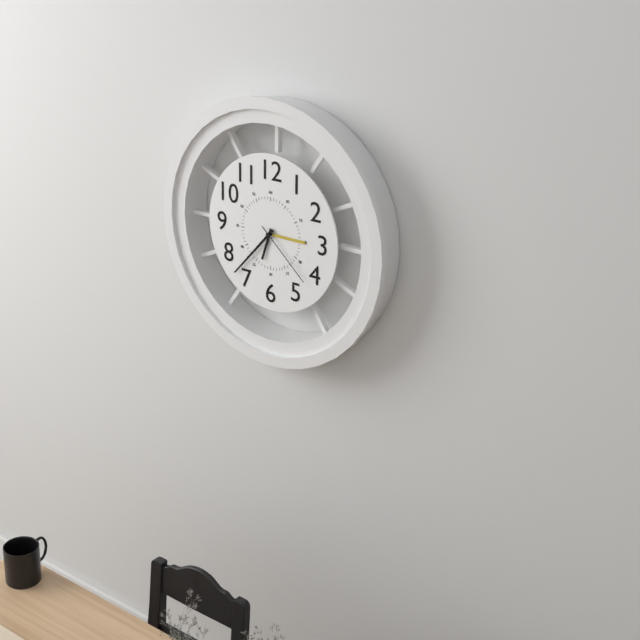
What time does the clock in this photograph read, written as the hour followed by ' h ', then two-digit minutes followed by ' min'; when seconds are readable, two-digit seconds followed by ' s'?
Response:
6 h 37 min 22 s
